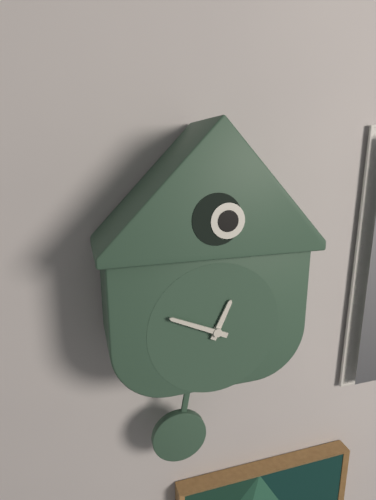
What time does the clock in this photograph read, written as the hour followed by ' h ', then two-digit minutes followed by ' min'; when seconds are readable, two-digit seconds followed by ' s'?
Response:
12 h 49 min
